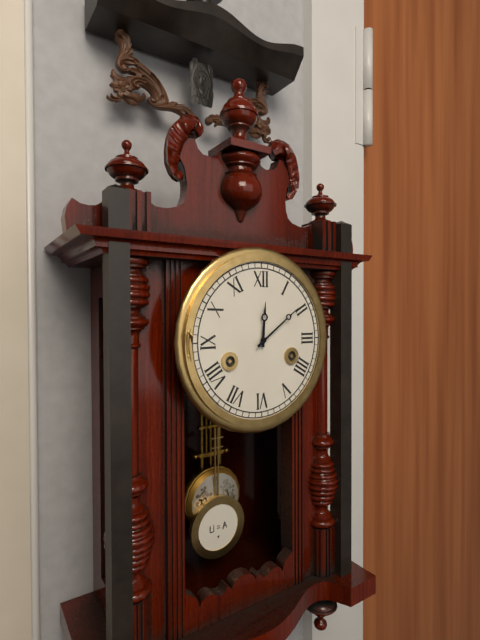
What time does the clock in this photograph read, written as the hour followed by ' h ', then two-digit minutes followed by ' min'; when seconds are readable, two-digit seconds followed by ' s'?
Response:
12 h 09 min
